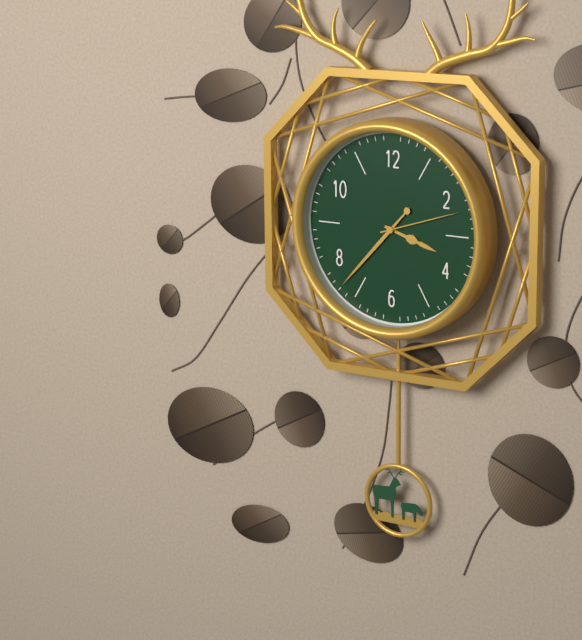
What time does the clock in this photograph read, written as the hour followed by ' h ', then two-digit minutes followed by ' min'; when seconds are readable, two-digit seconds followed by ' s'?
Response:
3 h 37 min 12 s
